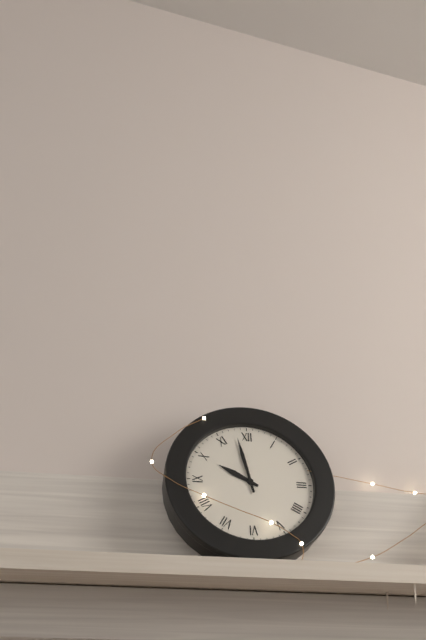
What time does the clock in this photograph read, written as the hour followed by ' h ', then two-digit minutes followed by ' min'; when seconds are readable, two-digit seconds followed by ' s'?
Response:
9 h 58 min
